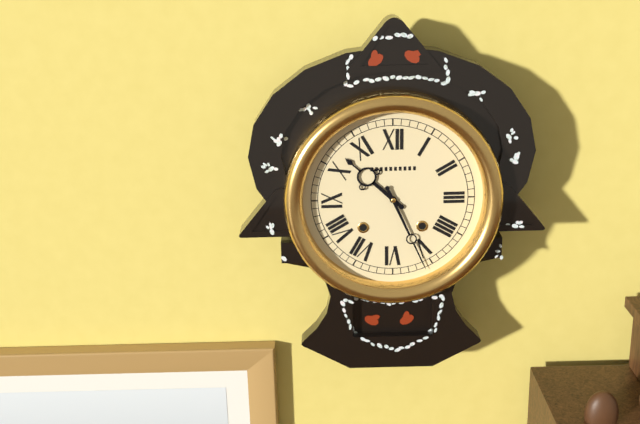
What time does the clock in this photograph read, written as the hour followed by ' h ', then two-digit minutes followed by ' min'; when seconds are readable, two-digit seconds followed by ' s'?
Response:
10 h 26 min
